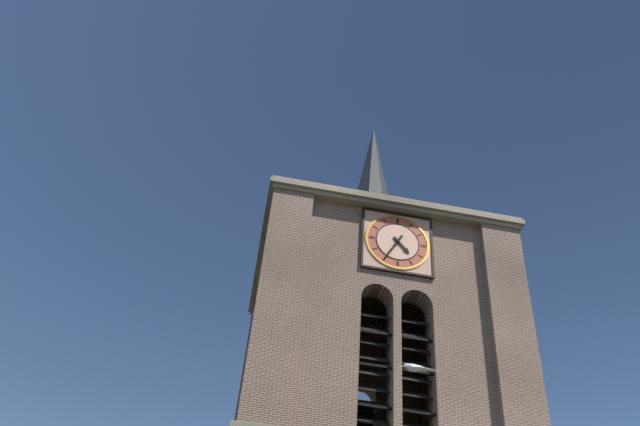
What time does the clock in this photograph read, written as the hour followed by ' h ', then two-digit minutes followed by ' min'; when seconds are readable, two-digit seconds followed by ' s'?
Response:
4 h 35 min
